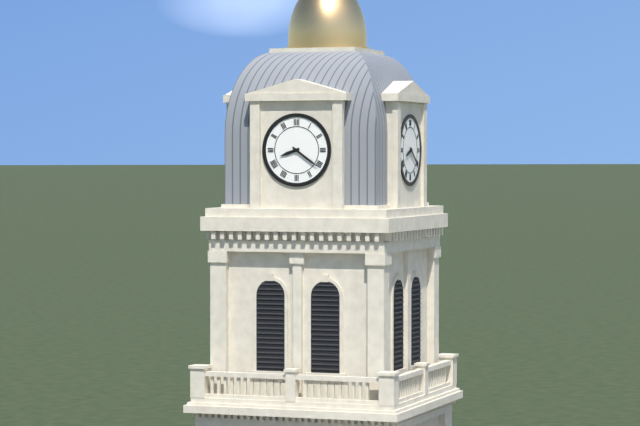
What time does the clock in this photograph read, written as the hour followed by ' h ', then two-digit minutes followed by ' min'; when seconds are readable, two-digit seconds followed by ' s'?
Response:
8 h 21 min
